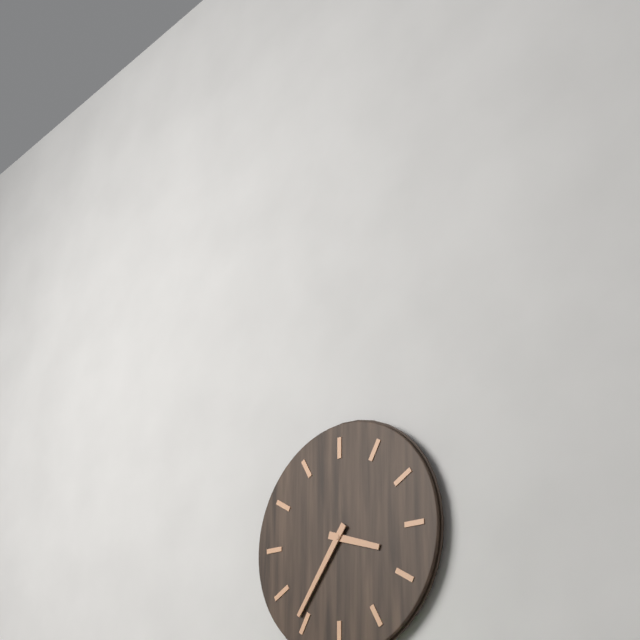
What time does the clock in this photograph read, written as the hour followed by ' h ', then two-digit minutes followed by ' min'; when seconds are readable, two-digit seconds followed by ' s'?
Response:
3 h 36 min
